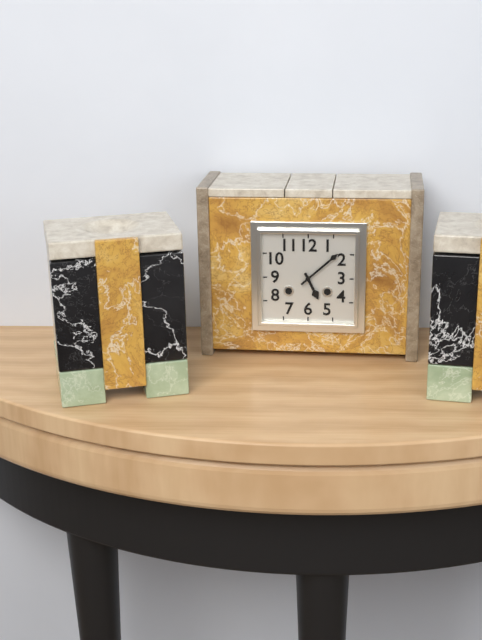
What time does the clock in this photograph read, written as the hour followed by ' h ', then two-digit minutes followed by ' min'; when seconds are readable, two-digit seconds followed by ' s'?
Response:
5 h 08 min
